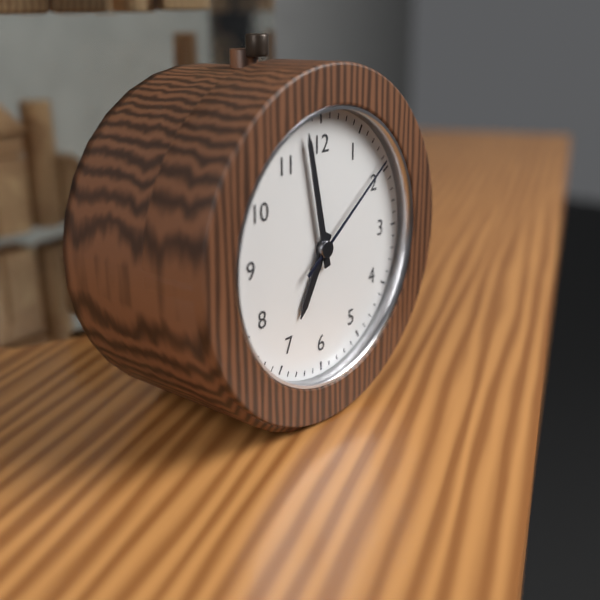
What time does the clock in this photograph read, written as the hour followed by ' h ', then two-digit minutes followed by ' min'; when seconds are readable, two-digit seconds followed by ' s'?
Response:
6 h 58 min 09 s
